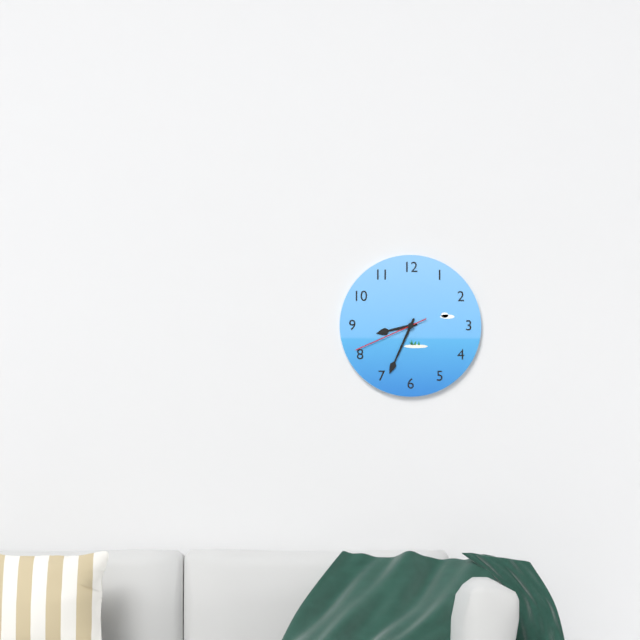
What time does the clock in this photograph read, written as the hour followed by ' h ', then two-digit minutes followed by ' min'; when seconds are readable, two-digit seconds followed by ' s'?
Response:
8 h 34 min 41 s
